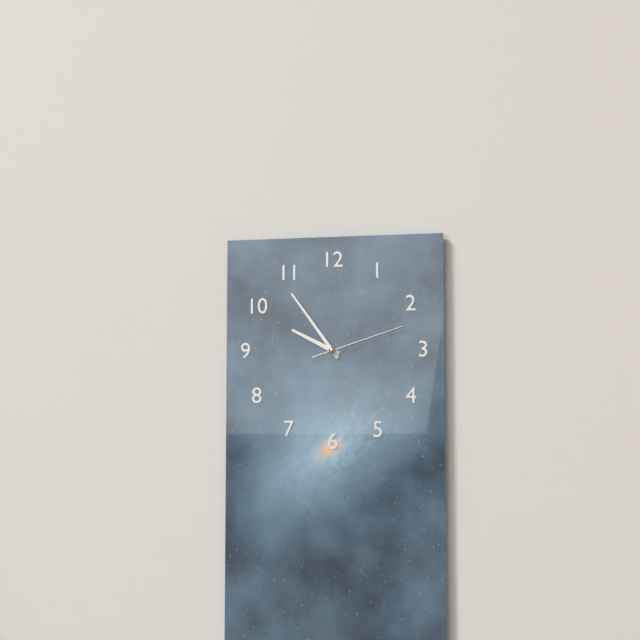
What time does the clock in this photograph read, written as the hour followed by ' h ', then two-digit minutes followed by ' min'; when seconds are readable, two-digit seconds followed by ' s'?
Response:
9 h 54 min 12 s
